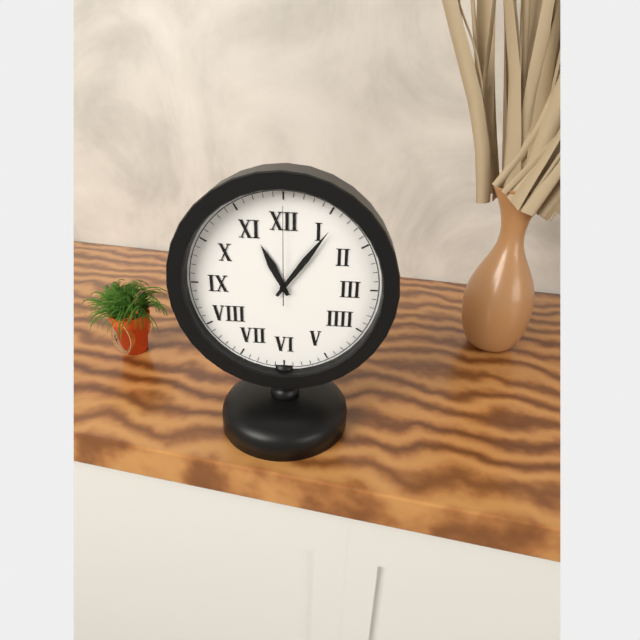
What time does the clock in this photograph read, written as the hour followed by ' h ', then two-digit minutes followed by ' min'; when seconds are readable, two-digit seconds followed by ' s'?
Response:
11 h 06 min 00 s
